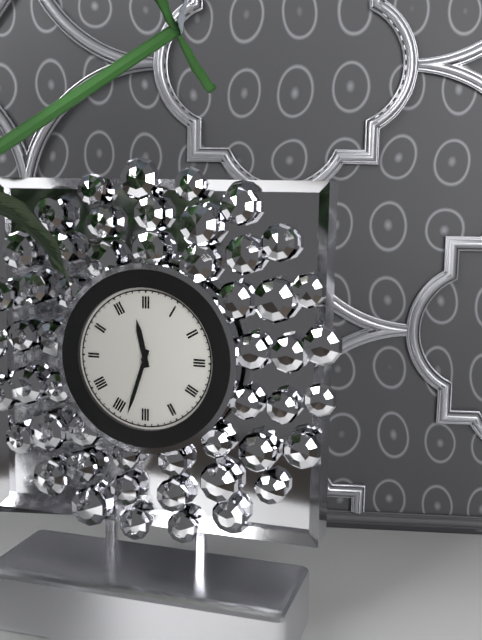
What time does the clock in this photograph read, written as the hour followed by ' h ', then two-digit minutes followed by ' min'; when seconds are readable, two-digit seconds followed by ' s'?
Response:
11 h 33 min
